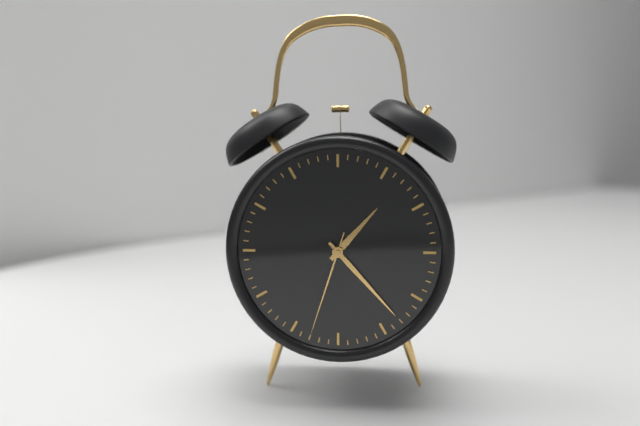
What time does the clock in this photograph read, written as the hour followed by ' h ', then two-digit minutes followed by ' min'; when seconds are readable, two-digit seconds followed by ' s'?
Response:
1 h 23 min 33 s
